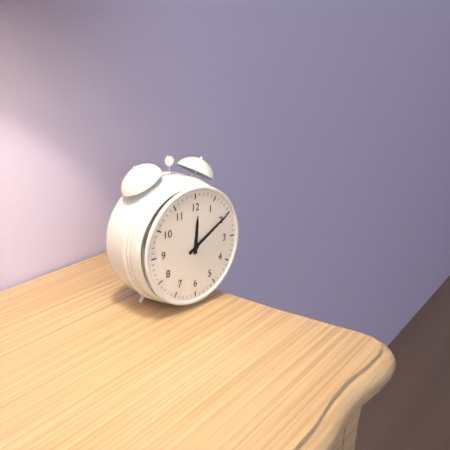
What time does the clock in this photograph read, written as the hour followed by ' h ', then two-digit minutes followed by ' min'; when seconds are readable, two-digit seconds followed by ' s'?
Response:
12 h 10 min
